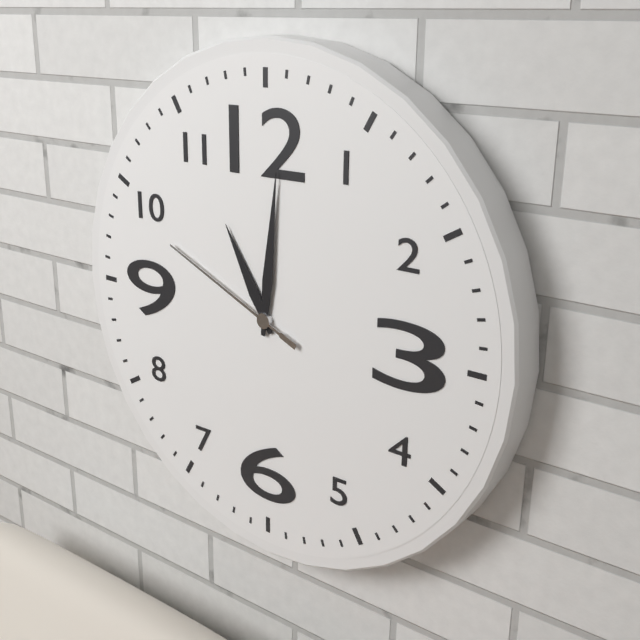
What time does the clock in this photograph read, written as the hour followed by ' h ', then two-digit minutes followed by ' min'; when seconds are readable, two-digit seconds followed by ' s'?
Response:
11 h 01 min 49 s
